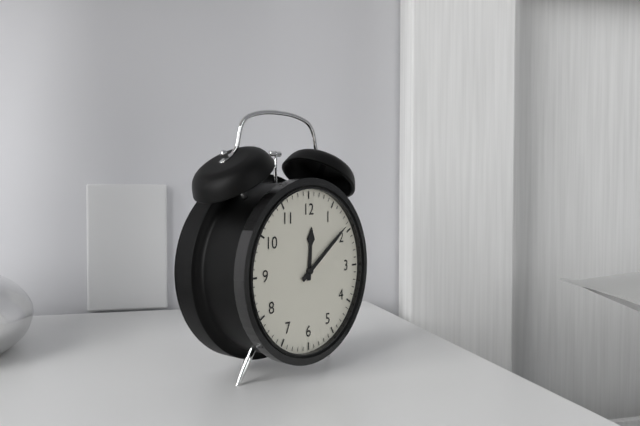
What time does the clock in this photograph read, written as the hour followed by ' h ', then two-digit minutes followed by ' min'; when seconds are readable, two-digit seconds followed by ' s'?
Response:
12 h 09 min
